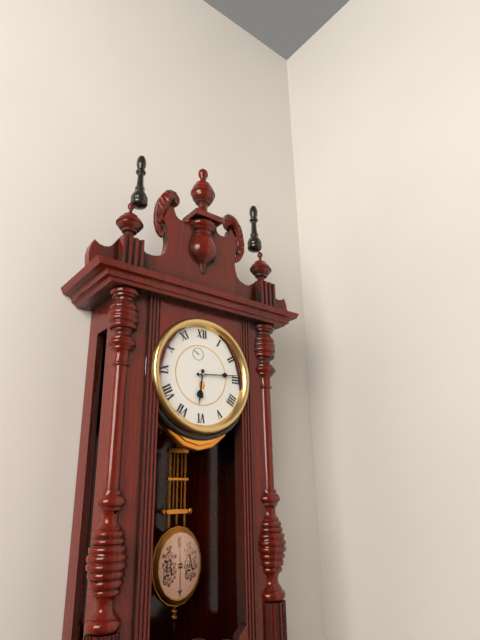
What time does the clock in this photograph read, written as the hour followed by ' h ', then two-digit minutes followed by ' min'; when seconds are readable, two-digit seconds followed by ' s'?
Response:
6 h 14 min
